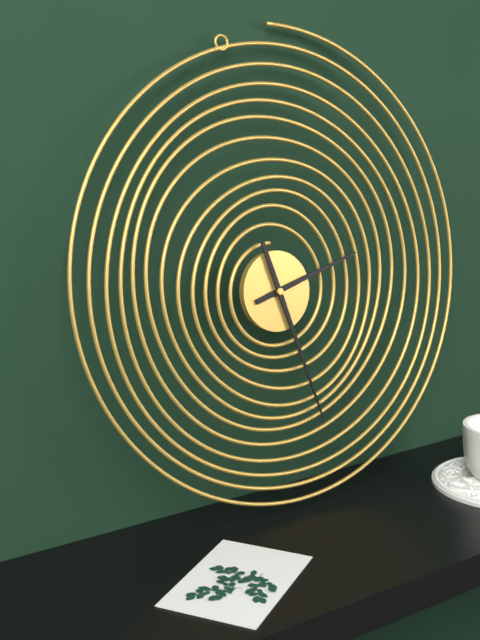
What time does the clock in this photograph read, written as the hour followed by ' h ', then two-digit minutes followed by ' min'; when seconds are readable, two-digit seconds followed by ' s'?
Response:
2 h 27 min
